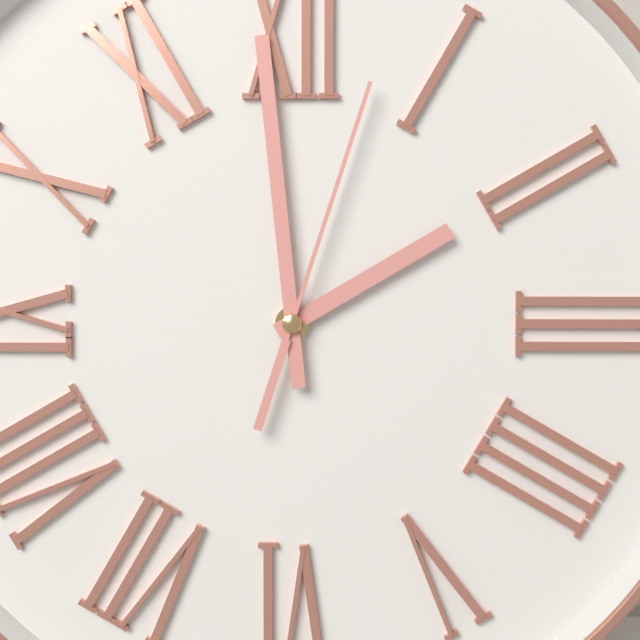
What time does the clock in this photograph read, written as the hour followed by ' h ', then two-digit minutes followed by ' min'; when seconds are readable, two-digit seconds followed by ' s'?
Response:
1 h 59 min 03 s
